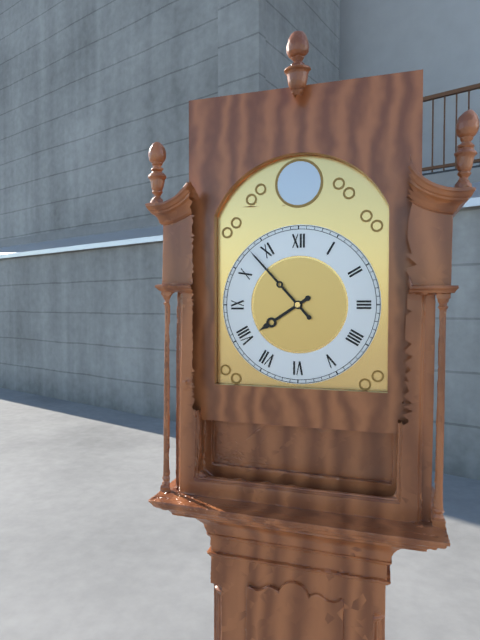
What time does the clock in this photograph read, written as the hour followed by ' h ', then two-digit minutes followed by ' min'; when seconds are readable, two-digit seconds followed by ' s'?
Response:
7 h 53 min
